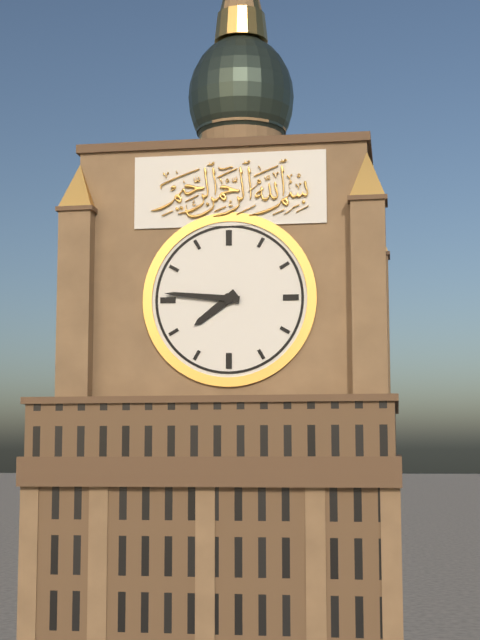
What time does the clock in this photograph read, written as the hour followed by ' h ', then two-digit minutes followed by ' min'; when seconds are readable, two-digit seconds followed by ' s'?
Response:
7 h 46 min
